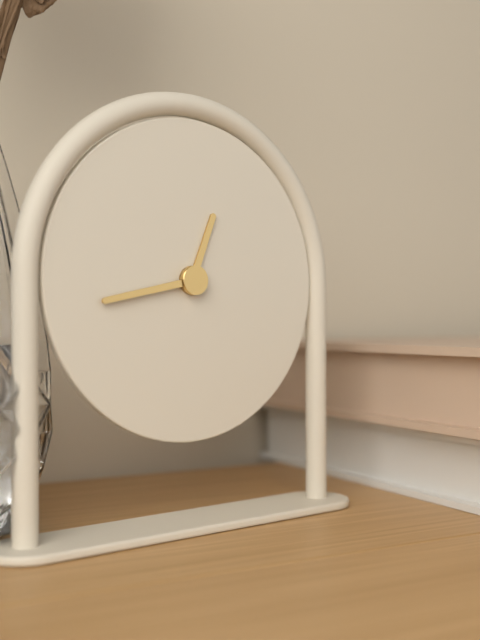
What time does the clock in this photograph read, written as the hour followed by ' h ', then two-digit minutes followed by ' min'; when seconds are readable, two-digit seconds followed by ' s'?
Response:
12 h 43 min
